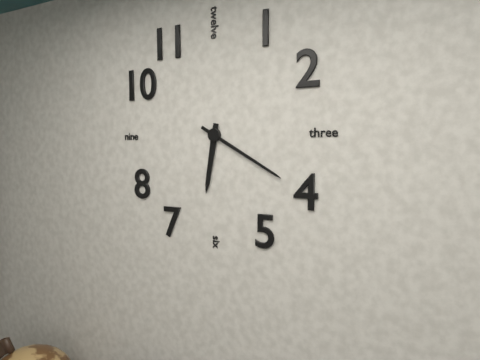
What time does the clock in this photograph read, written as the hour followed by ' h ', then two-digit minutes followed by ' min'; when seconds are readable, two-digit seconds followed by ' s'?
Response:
6 h 20 min
